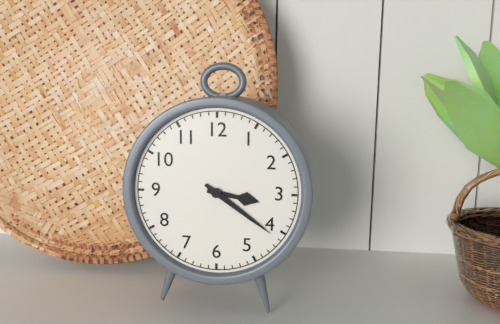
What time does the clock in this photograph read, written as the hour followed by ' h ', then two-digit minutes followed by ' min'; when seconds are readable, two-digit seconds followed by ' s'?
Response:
3 h 21 min
